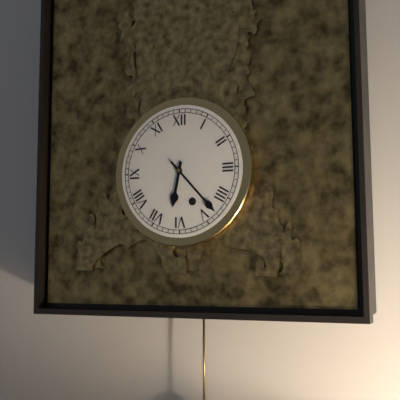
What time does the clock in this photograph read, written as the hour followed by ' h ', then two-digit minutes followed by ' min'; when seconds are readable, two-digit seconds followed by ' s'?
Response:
6 h 23 min
